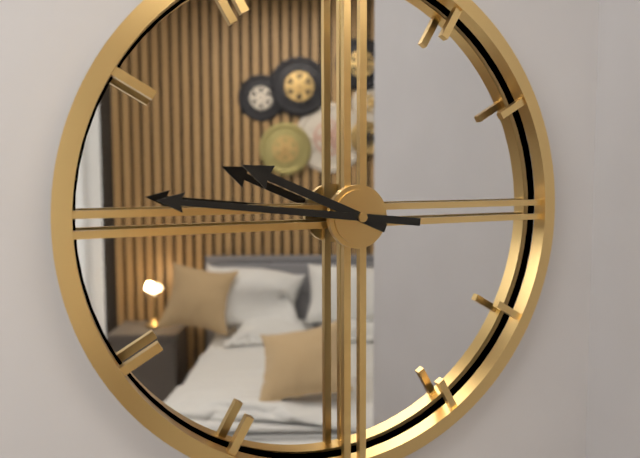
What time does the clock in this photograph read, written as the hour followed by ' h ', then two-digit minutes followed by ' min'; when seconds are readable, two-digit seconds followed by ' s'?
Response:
9 h 46 min
